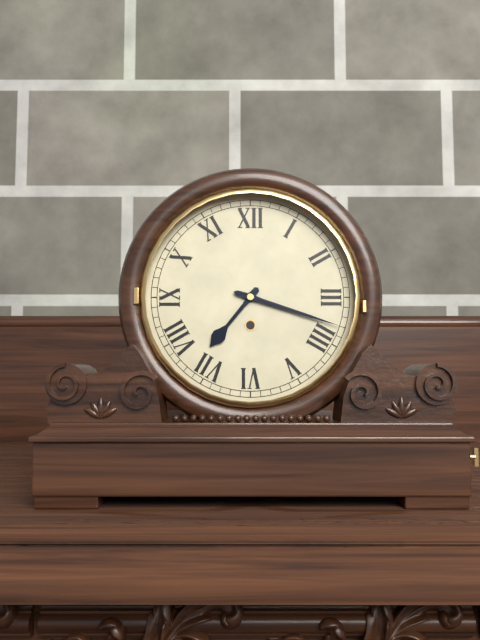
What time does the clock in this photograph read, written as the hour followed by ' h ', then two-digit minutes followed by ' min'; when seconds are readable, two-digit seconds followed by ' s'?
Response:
7 h 18 min
